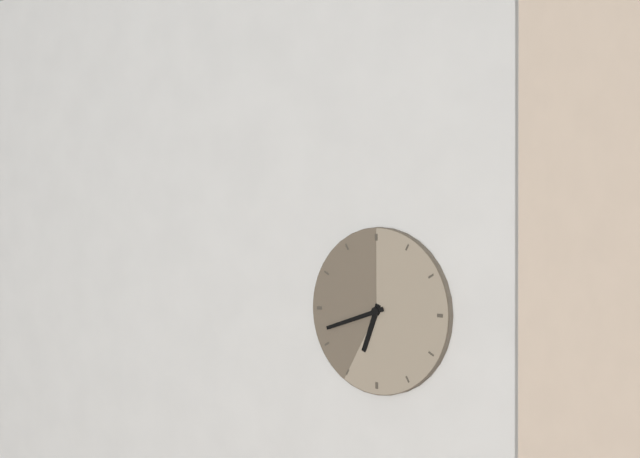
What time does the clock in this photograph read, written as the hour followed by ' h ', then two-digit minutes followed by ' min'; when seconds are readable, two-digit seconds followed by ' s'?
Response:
6 h 42 min
